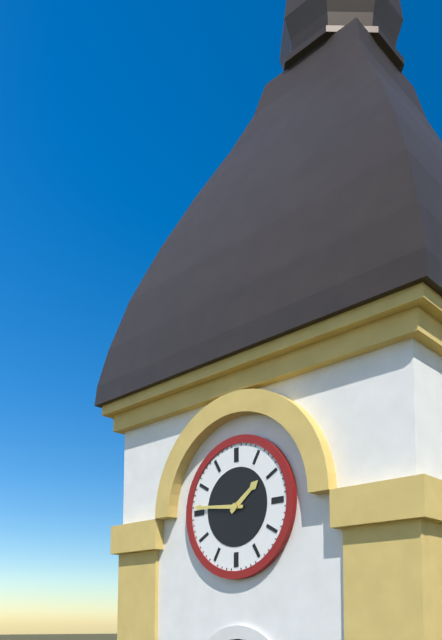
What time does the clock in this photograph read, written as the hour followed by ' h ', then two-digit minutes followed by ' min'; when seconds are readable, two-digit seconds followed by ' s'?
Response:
1 h 46 min
